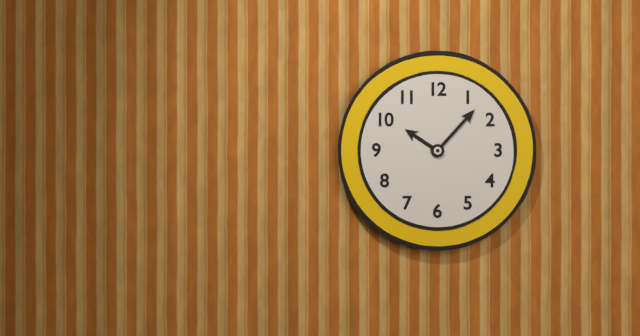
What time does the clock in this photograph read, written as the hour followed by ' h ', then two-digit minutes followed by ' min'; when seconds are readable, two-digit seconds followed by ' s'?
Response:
10 h 07 min
